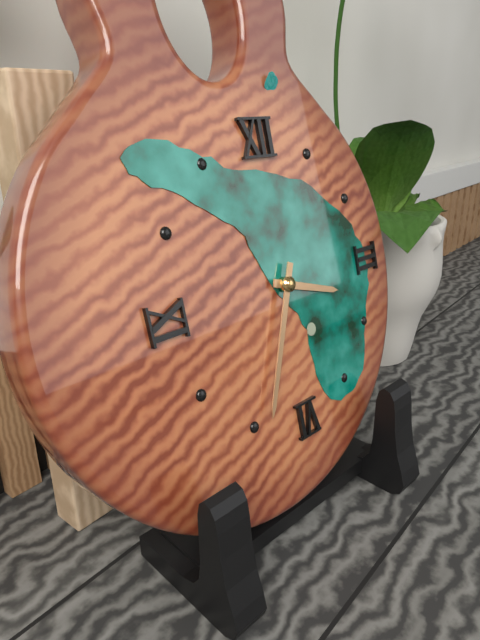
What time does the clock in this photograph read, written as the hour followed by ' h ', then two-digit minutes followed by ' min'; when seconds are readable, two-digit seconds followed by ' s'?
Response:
3 h 34 min
